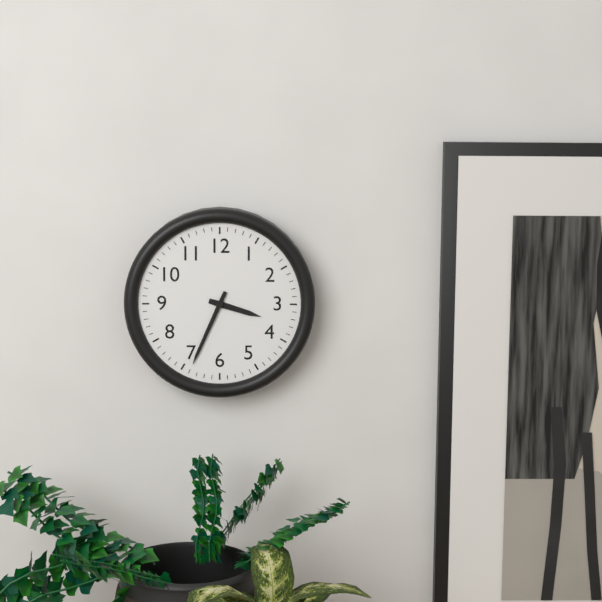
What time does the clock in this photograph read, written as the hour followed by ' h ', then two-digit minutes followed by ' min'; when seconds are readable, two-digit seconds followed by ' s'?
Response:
3 h 34 min
